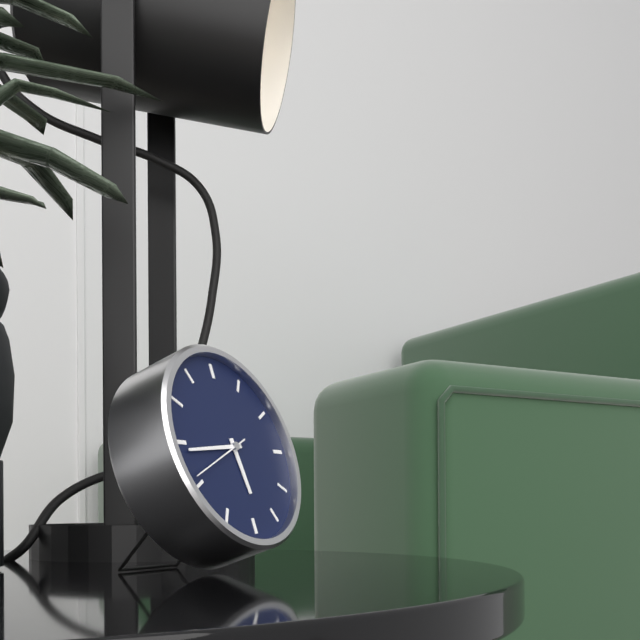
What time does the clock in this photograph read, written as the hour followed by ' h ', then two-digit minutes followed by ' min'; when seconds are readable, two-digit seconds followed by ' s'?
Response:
5 h 44 min 41 s
